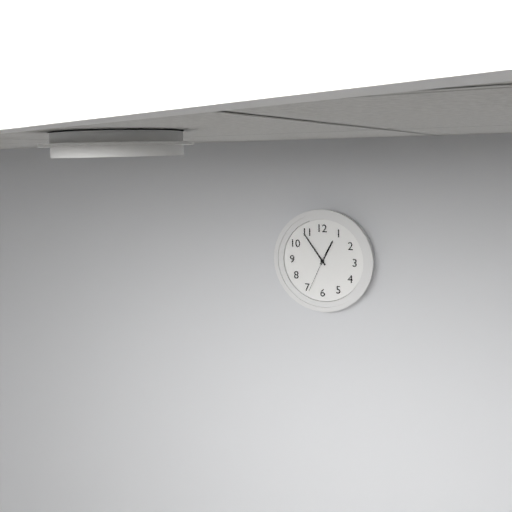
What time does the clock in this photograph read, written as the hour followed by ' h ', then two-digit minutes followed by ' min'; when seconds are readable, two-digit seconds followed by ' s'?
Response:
12 h 54 min
